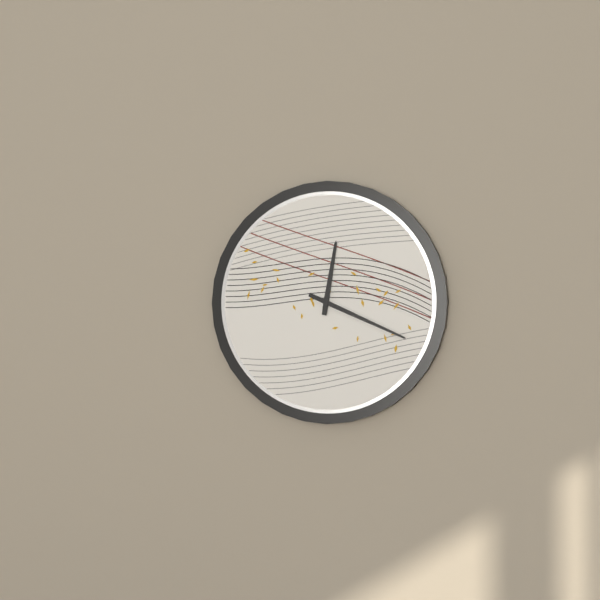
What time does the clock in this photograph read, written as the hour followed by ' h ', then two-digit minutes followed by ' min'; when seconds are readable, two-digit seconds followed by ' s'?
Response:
12 h 19 min
